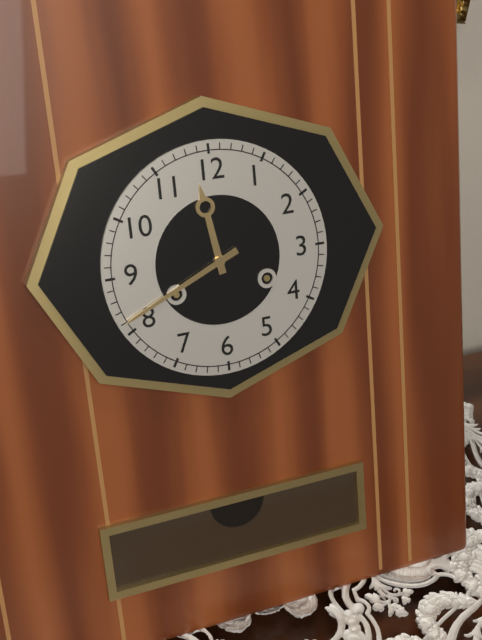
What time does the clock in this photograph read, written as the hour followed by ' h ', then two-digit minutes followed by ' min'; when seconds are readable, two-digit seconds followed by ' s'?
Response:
11 h 41 min
